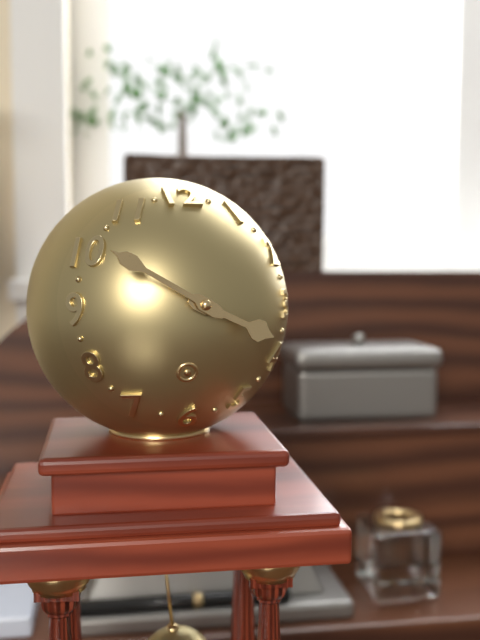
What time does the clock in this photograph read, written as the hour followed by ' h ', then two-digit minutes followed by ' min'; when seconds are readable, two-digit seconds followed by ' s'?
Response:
3 h 50 min
